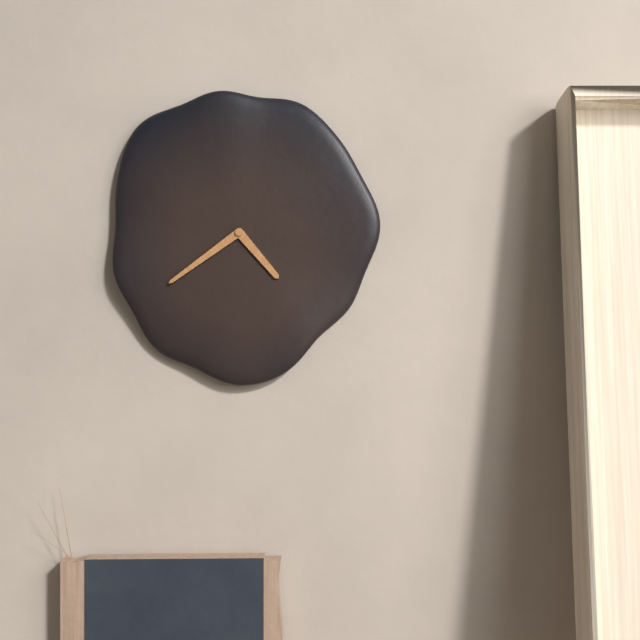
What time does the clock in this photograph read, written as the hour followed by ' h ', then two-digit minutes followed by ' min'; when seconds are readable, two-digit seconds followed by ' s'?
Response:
4 h 39 min
